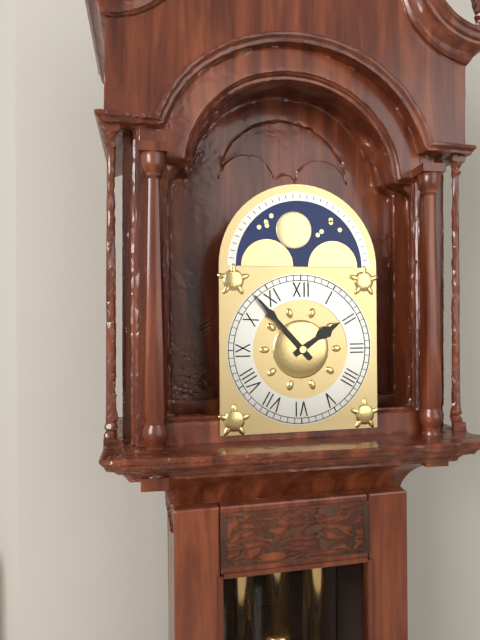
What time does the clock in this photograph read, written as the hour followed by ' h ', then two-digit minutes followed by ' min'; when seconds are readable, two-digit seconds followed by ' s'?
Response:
1 h 53 min
